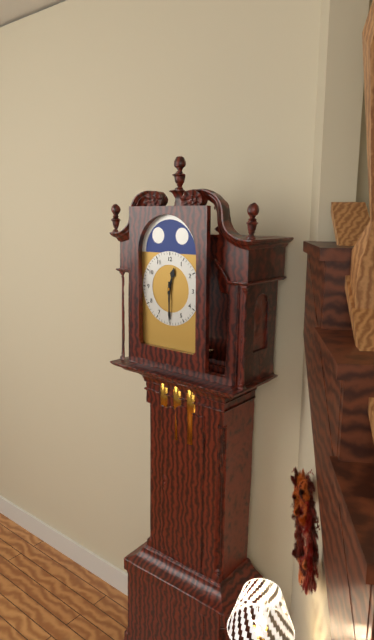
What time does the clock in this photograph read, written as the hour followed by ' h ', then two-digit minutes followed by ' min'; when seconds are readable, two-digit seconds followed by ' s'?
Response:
12 h 30 min
